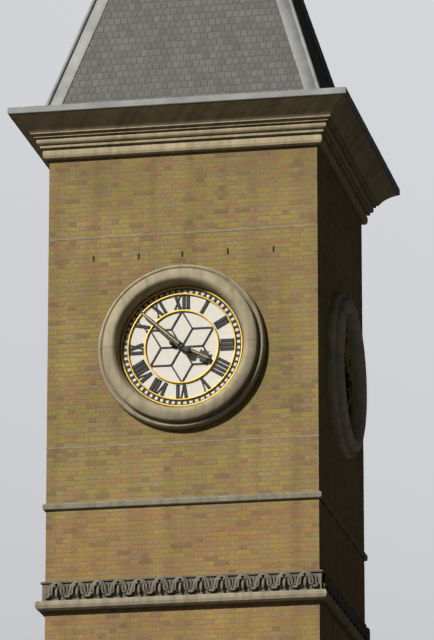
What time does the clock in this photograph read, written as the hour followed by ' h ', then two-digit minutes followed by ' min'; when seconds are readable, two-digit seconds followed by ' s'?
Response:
3 h 52 min
